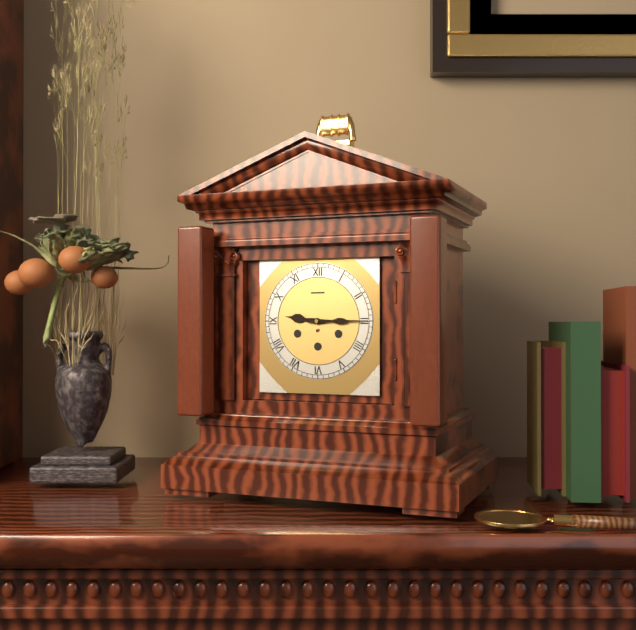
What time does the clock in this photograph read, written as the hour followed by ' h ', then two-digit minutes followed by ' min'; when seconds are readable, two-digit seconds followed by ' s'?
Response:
9 h 15 min
